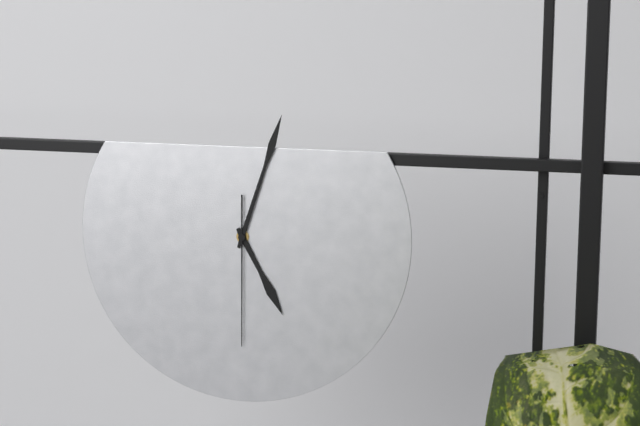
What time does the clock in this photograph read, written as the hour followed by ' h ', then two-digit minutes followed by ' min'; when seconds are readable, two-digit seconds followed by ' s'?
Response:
5 h 03 min 30 s
